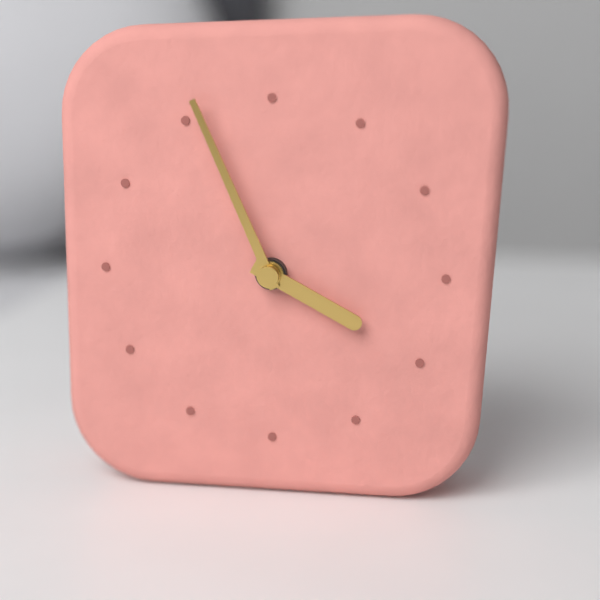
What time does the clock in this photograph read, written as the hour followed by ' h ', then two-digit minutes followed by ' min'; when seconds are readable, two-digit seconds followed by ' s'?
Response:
3 h 56 min
